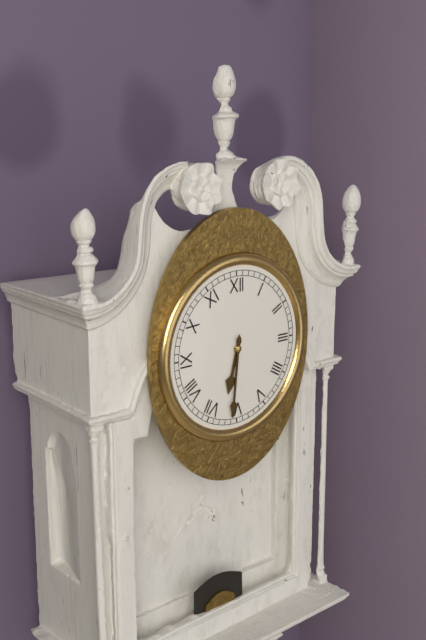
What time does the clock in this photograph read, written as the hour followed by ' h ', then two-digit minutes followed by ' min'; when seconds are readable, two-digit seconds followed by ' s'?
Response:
6 h 31 min
